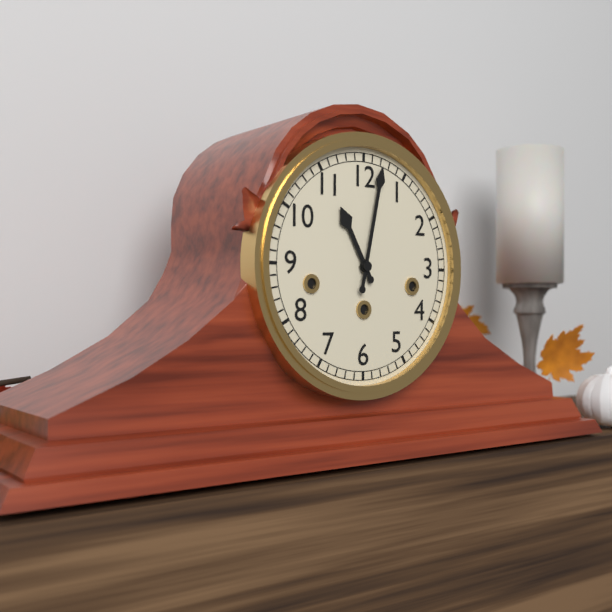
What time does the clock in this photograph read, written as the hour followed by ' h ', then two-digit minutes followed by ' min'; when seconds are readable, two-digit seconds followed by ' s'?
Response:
11 h 02 min
